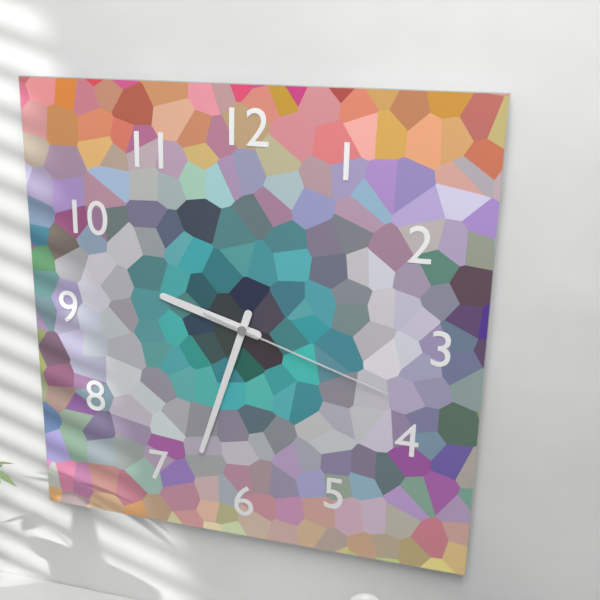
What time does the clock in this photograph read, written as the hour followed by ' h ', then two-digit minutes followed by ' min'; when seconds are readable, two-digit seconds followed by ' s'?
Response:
9 h 33 min 18 s
